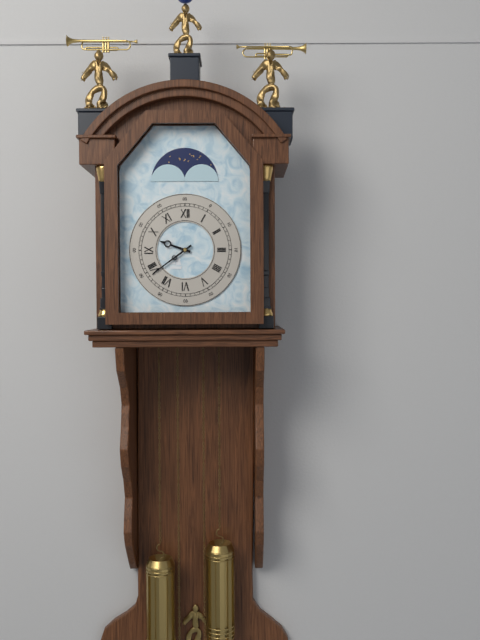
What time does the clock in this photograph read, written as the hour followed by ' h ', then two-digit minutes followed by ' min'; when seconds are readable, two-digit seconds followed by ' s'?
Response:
9 h 39 min
